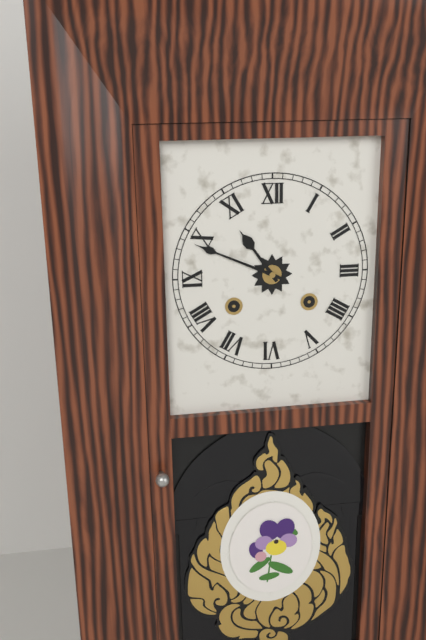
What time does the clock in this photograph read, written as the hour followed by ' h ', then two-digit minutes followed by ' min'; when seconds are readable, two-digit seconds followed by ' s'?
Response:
10 h 49 min
